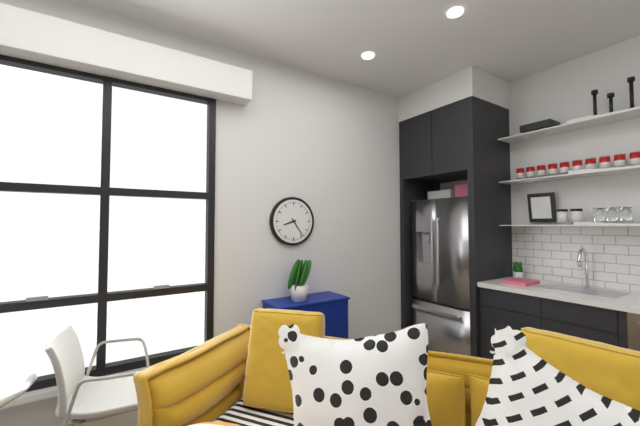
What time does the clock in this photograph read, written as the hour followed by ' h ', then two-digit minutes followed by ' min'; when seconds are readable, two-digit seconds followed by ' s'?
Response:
8 h 24 min
